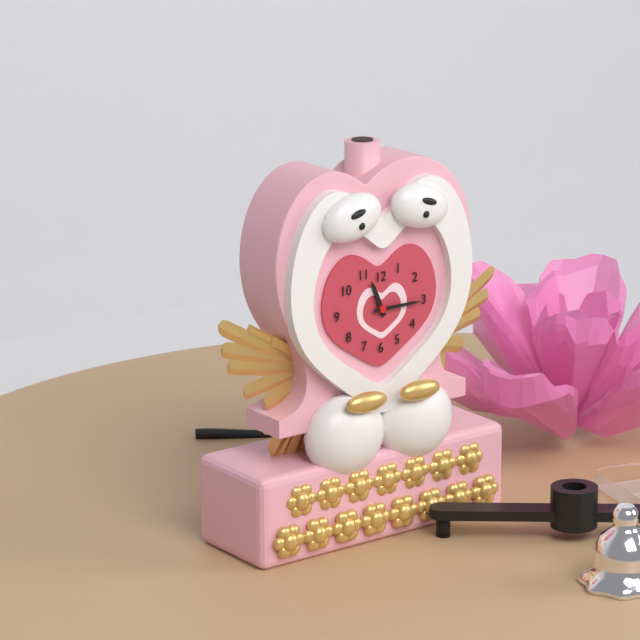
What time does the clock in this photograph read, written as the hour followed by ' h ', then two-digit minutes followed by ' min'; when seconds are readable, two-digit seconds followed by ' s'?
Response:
11 h 15 min
